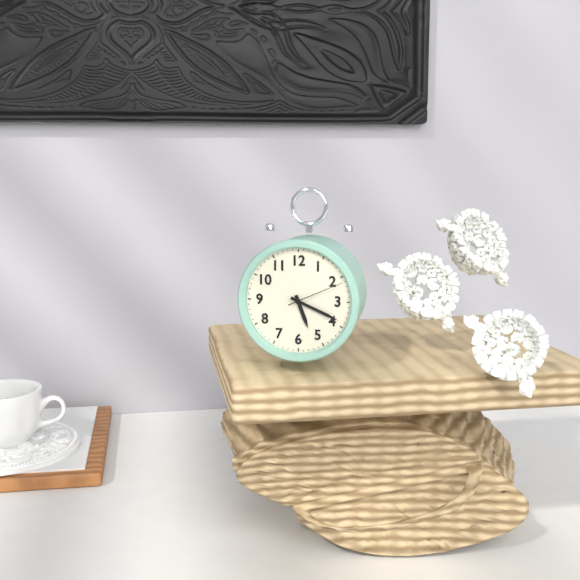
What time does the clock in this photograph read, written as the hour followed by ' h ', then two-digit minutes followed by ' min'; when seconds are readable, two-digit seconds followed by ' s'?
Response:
5 h 19 min 11 s
